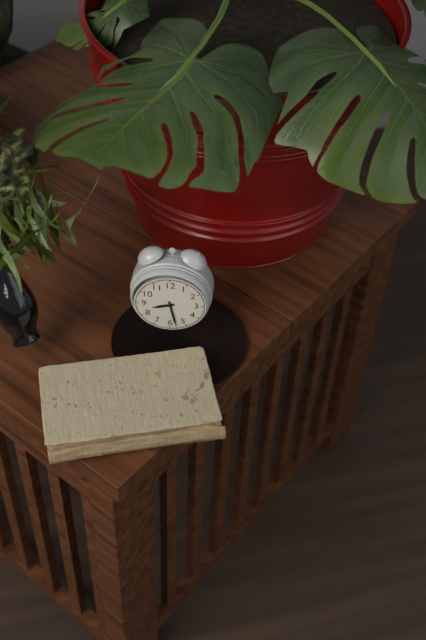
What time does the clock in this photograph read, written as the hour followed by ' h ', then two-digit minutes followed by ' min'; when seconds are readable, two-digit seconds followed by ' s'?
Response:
8 h 28 min
